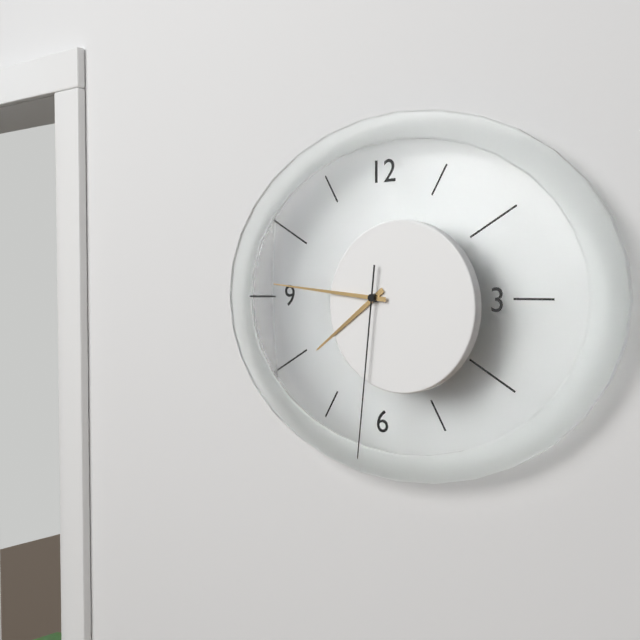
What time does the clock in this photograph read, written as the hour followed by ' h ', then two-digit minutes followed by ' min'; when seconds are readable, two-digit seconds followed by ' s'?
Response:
7 h 46 min 31 s
